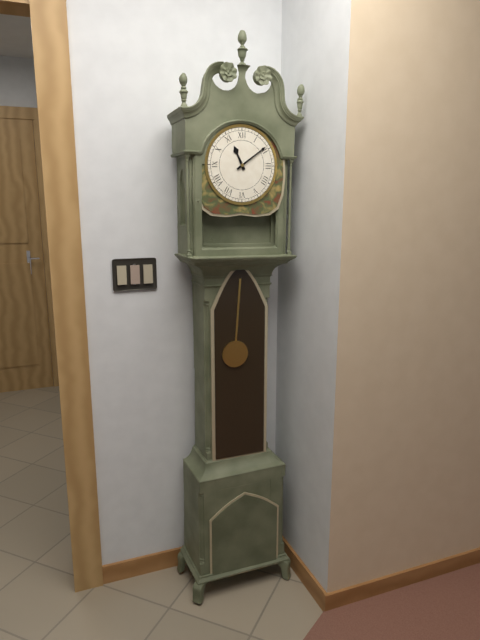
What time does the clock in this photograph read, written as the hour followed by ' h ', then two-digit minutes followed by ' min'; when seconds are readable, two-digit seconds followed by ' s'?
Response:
11 h 09 min
